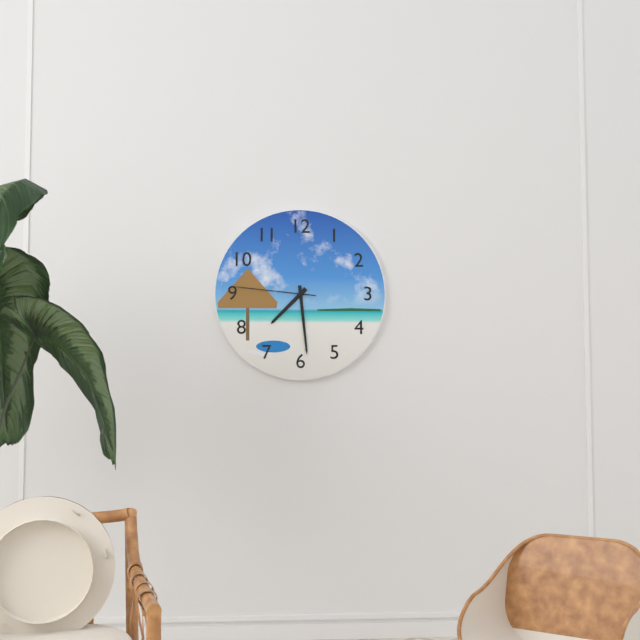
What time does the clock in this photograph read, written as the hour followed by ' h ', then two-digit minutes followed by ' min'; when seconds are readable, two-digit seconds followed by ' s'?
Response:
7 h 29 min 46 s
